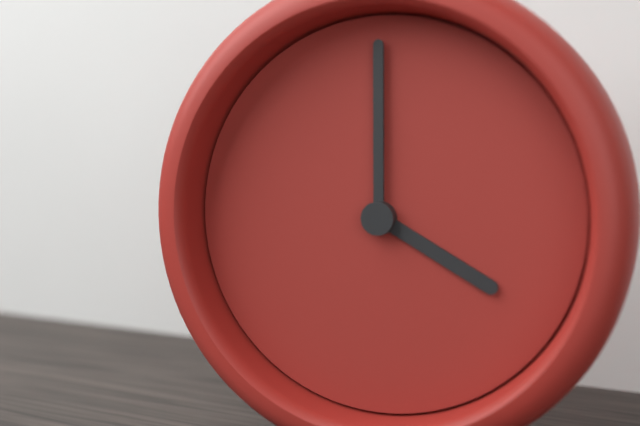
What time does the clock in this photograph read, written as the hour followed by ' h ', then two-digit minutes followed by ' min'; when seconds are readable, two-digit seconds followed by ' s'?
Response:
4 h 00 min
